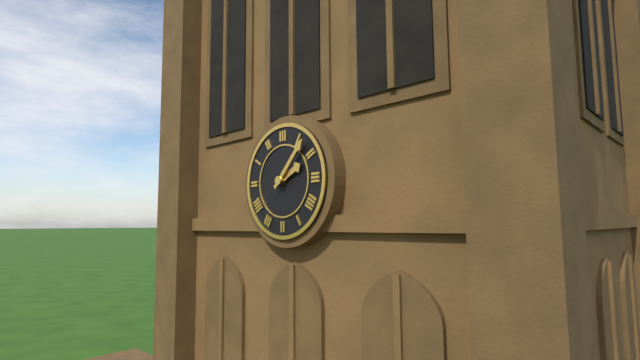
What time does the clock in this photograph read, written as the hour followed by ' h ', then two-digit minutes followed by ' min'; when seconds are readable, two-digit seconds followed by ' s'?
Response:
2 h 07 min
